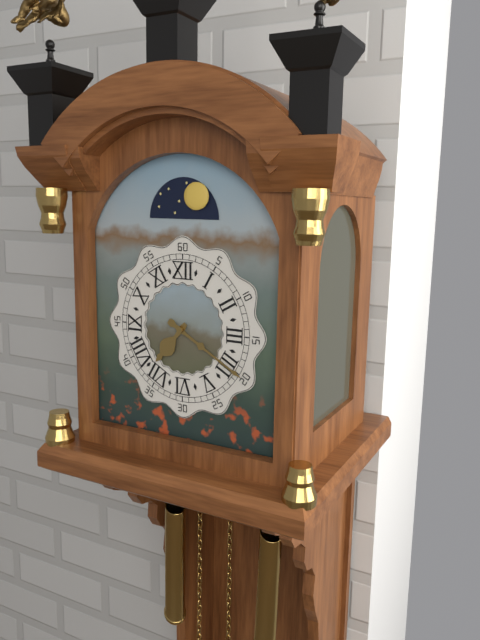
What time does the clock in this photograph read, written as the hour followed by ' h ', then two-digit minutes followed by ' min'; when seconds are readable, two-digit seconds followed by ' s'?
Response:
7 h 20 min
